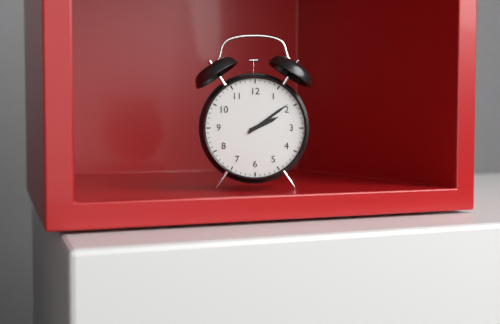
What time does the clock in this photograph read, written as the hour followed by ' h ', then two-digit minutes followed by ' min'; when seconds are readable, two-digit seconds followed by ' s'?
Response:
2 h 09 min
